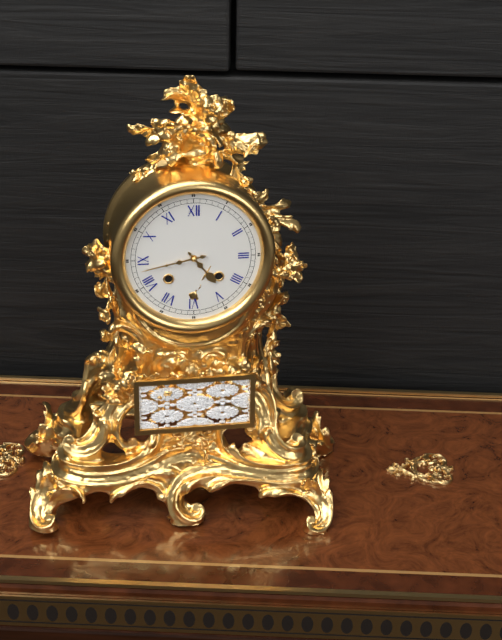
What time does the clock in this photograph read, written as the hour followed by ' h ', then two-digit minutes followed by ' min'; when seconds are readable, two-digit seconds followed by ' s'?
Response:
4 h 43 min
